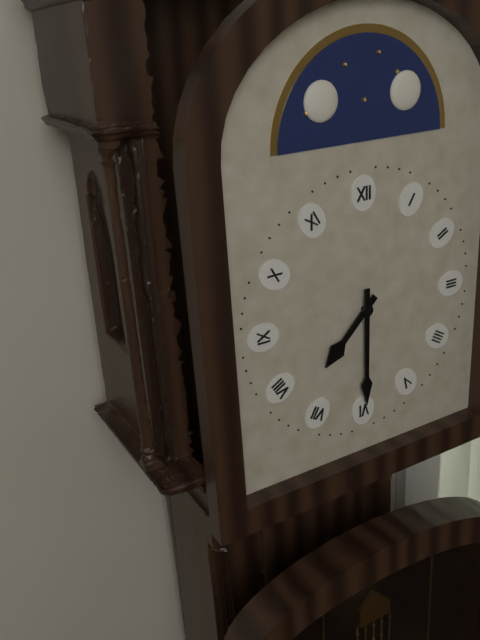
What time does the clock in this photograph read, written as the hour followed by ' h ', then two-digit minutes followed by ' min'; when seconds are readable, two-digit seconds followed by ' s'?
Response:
7 h 30 min
